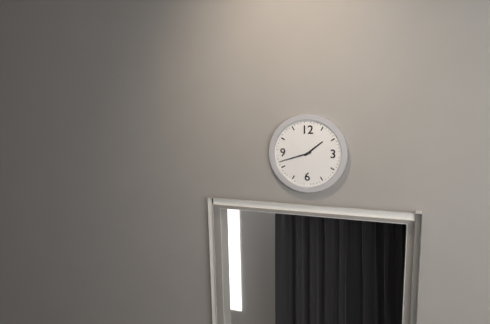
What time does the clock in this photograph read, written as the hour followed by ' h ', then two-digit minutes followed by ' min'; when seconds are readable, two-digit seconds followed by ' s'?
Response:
1 h 42 min
